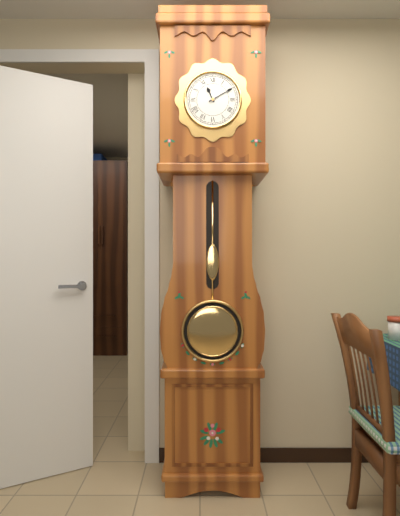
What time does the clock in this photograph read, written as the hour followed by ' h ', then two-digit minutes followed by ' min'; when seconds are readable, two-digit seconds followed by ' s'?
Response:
11 h 10 min
